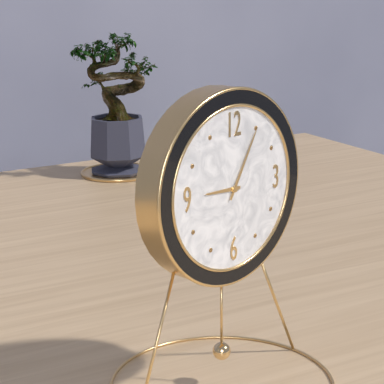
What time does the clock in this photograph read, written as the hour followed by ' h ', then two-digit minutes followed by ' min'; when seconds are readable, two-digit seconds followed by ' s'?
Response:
9 h 05 min
